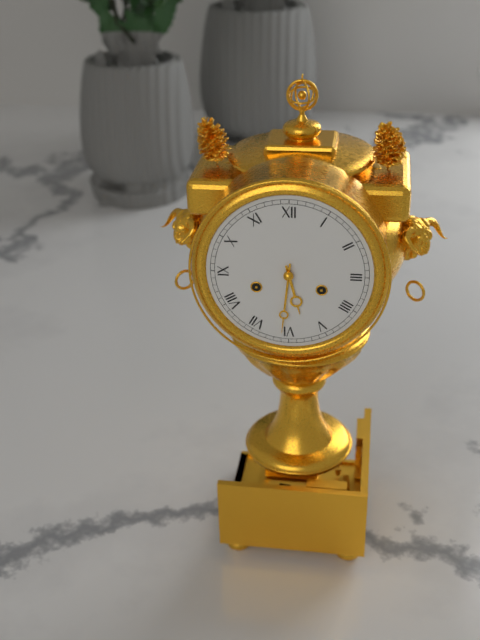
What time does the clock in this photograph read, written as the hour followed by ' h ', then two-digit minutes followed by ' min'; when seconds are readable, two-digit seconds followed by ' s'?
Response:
5 h 31 min
